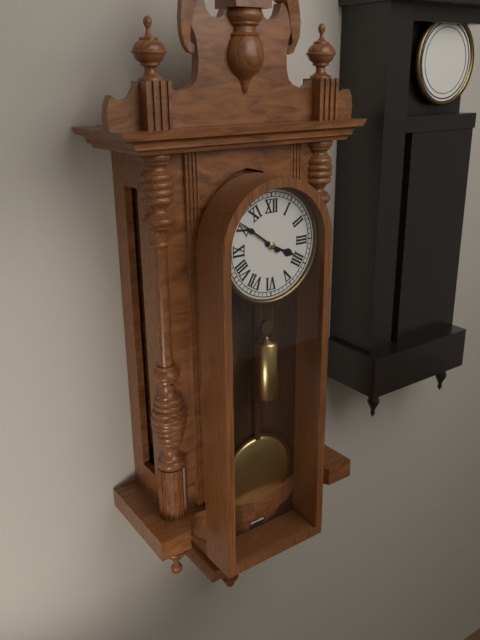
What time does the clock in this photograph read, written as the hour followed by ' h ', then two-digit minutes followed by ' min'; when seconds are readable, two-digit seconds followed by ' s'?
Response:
3 h 51 min
